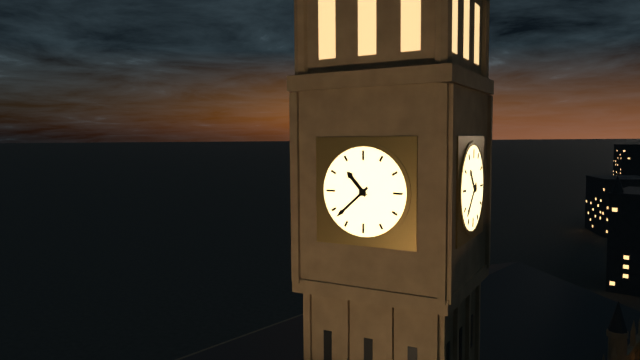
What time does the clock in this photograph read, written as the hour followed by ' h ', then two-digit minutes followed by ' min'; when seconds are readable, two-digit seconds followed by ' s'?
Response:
10 h 38 min
